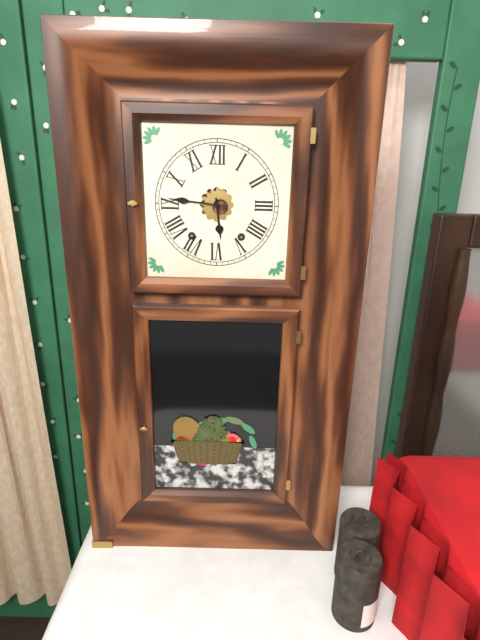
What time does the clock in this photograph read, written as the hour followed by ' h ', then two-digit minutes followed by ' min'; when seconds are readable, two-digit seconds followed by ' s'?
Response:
5 h 46 min
